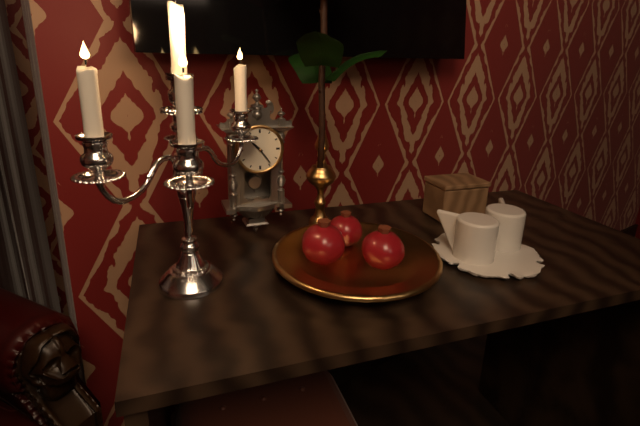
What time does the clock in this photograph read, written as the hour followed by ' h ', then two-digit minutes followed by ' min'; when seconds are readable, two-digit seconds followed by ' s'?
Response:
10 h 24 min
